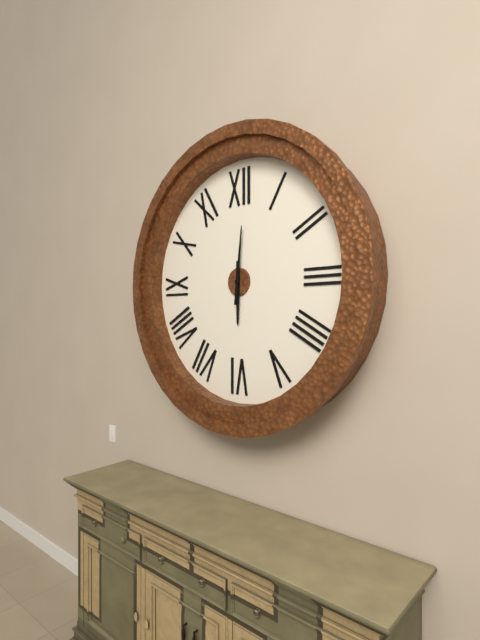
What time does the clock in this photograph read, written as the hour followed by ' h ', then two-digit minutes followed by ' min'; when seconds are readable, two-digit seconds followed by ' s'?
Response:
6 h 01 min
